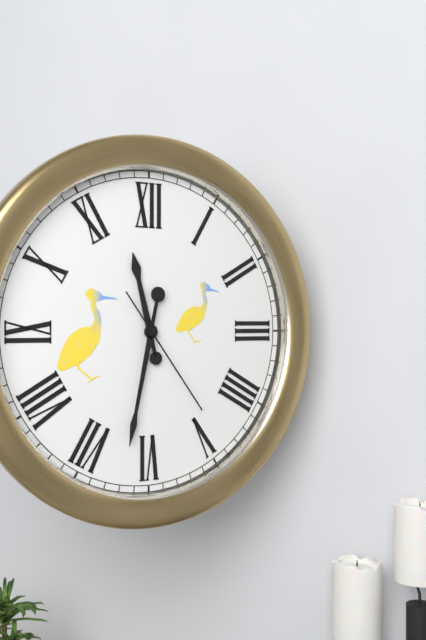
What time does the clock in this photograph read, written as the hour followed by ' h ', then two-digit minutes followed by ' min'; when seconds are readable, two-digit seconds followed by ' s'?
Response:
11 h 32 min 24 s
